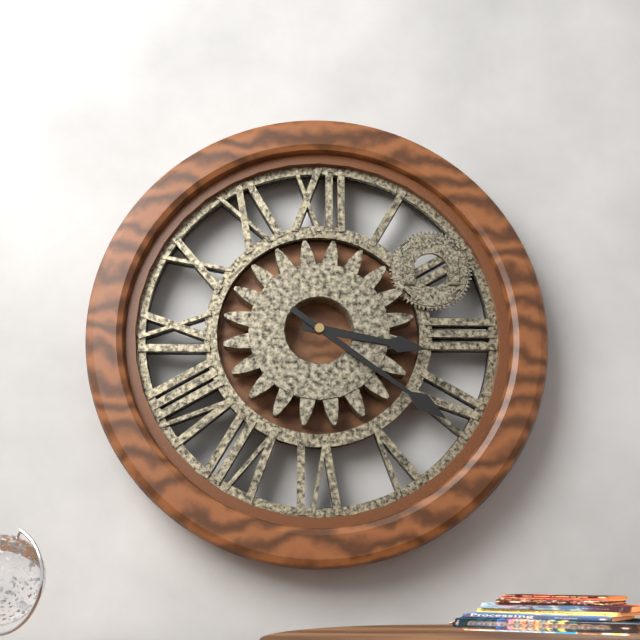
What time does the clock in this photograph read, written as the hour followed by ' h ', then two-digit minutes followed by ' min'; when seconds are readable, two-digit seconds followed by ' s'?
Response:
3 h 21 min
